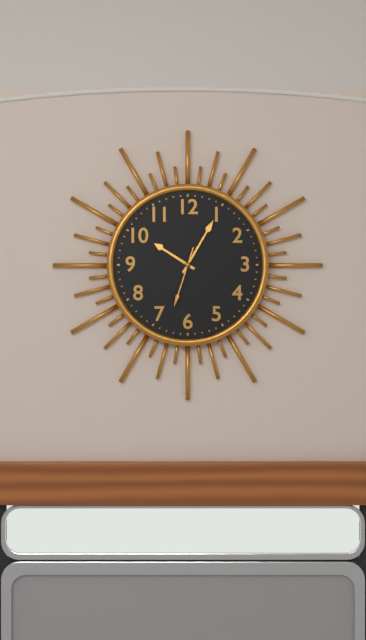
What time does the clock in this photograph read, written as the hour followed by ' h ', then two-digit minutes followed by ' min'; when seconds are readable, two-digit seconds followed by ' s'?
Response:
10 h 05 min 33 s
